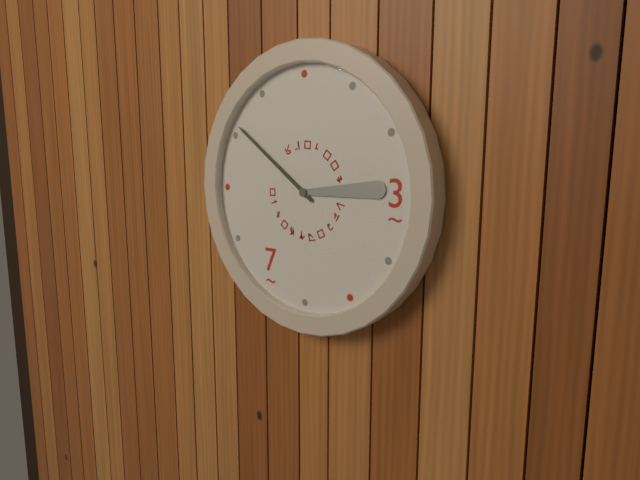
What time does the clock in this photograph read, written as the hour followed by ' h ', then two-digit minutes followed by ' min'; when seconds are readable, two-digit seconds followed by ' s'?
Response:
2 h 51 min
